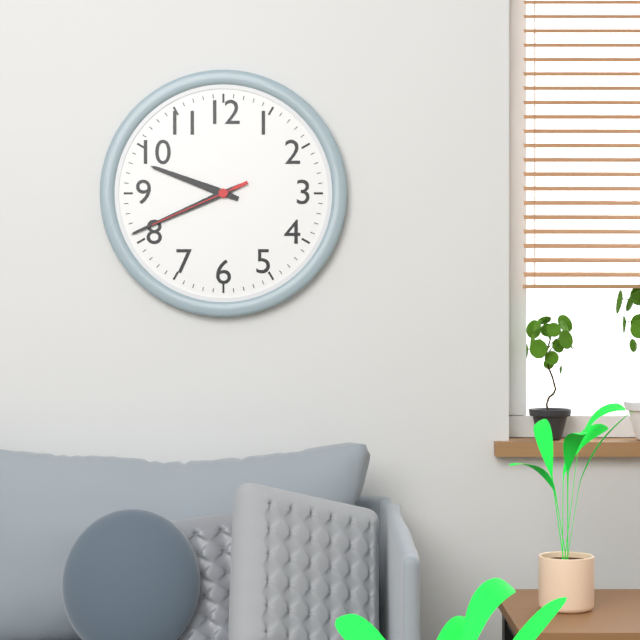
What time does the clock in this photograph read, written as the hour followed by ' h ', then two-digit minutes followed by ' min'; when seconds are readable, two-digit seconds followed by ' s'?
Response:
9 h 41 min 41 s
